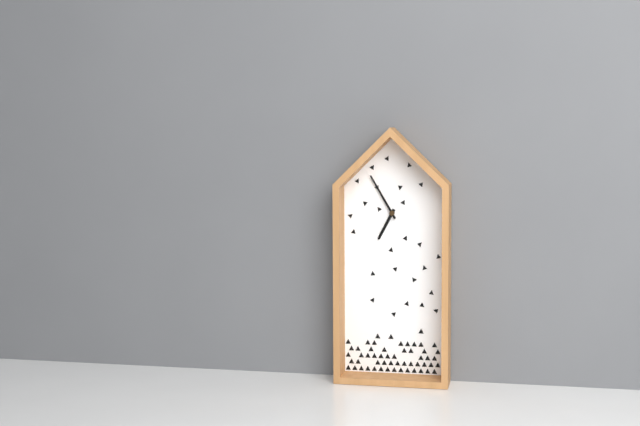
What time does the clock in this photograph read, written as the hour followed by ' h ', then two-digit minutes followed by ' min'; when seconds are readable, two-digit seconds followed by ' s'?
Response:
6 h 55 min
